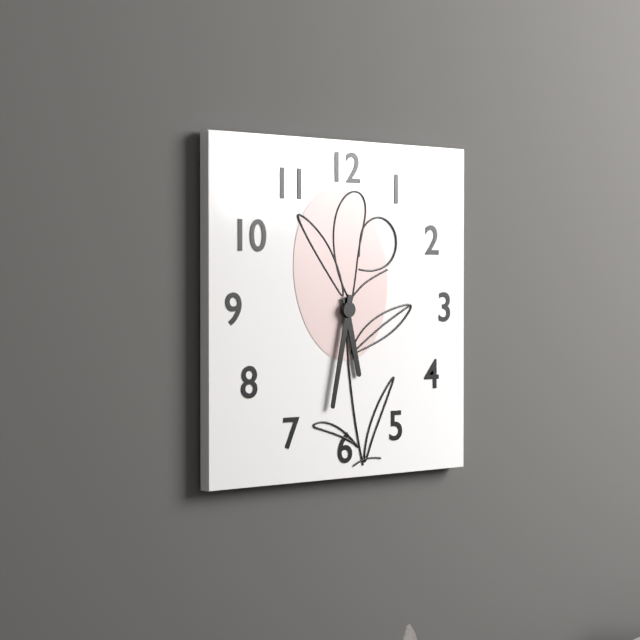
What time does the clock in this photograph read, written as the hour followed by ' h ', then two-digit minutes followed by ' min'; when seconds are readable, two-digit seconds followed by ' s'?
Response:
5 h 32 min
